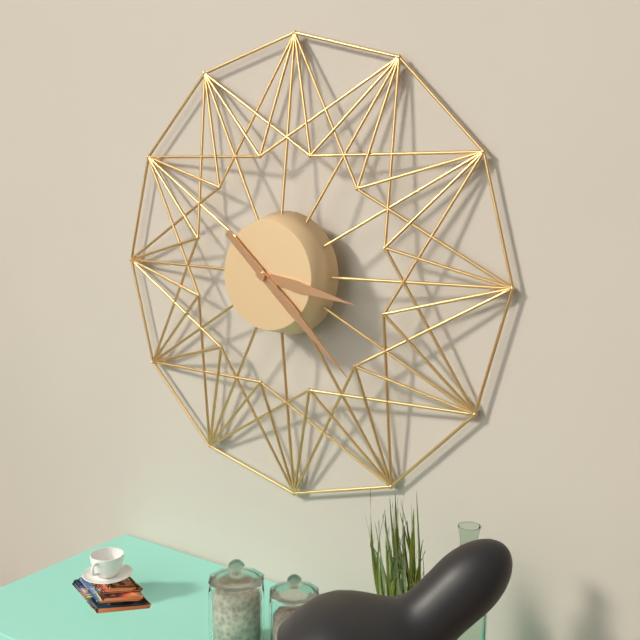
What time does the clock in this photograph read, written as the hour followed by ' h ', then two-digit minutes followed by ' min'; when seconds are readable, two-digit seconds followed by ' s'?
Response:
3 h 22 min
